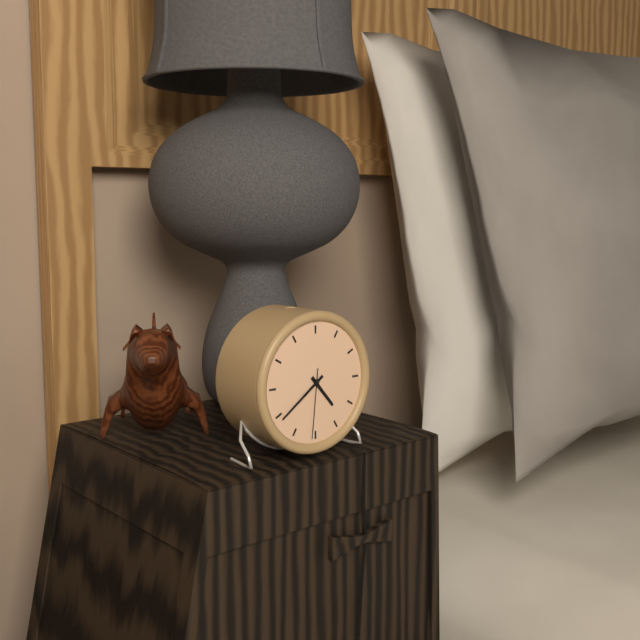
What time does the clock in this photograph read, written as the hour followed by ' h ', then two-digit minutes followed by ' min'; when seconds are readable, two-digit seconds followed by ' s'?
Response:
4 h 39 min 31 s
